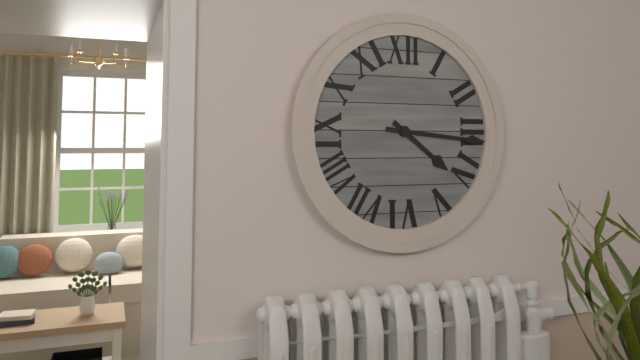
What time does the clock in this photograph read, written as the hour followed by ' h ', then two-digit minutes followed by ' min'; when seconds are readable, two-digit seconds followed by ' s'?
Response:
4 h 16 min
